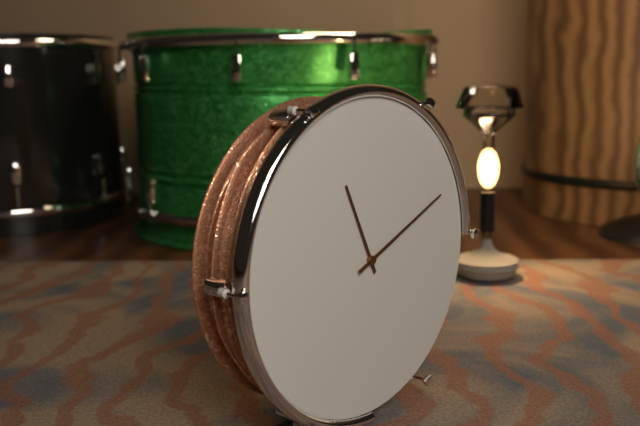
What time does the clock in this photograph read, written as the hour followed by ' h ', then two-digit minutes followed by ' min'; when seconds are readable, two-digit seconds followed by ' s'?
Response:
11 h 11 min
